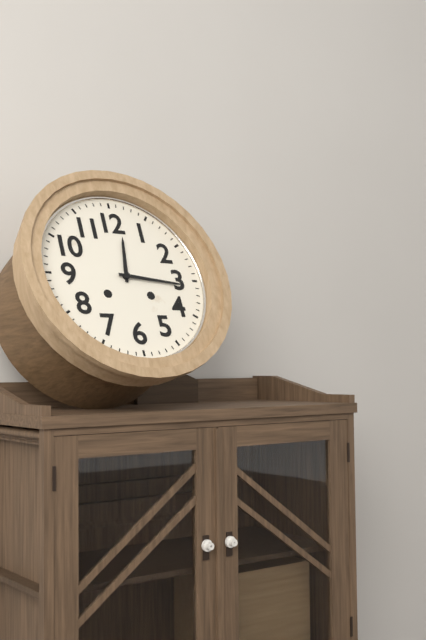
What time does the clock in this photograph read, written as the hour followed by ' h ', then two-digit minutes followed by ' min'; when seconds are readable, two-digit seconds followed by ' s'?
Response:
12 h 16 min
